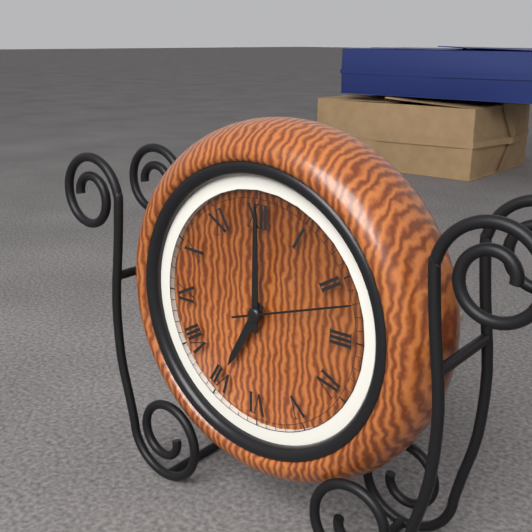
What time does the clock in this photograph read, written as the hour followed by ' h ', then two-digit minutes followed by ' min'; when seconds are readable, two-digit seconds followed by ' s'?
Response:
7 h 00 min 12 s
